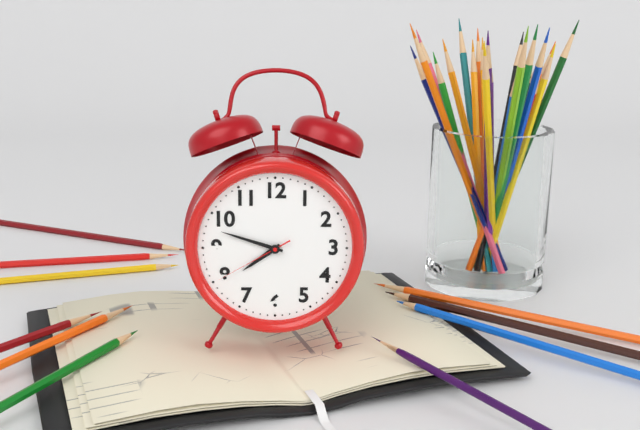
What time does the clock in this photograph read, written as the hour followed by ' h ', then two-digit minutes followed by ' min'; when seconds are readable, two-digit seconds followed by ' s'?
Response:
7 h 48 min 40 s
